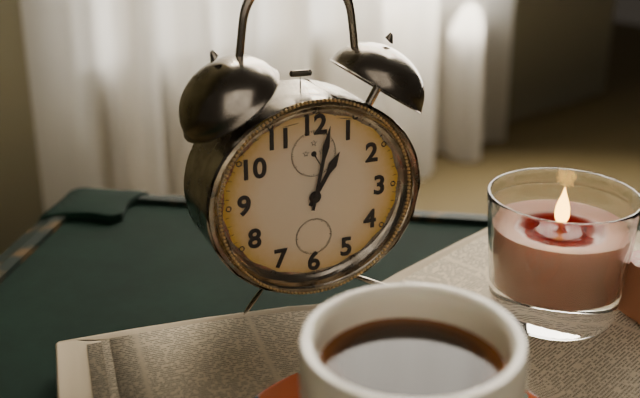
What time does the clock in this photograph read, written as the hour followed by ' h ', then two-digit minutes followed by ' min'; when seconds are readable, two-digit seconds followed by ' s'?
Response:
1 h 02 min
